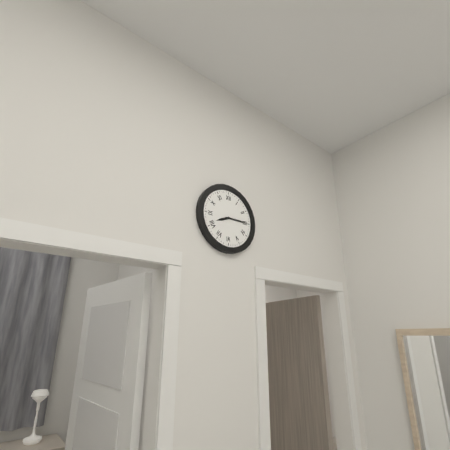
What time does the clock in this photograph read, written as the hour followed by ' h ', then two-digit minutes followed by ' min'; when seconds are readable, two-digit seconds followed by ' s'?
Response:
8 h 15 min
